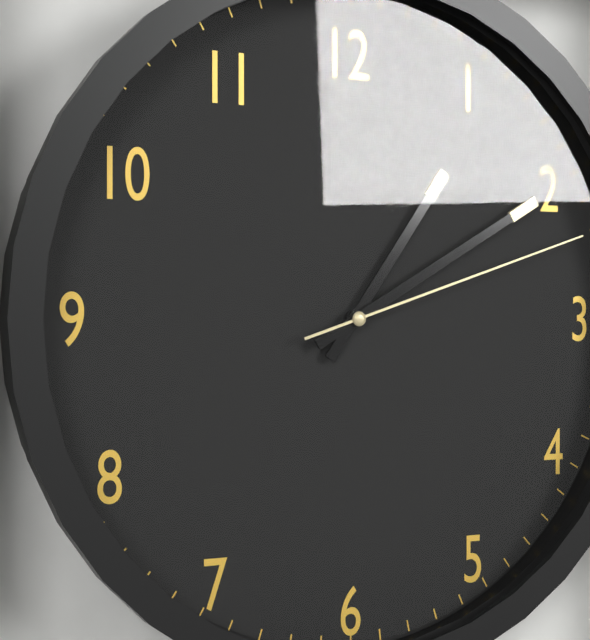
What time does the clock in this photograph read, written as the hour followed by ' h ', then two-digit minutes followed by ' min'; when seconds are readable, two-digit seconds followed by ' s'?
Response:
1 h 10 min 12 s
